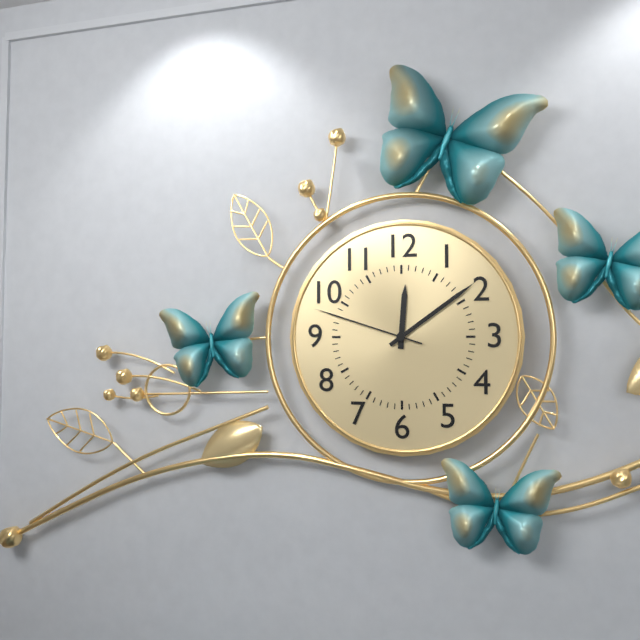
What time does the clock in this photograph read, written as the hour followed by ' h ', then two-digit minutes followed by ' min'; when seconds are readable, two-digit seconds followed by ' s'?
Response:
12 h 09 min 48 s
